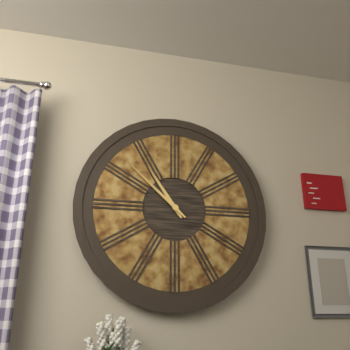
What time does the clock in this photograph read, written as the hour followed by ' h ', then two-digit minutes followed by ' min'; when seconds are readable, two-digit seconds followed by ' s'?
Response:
10 h 52 min
